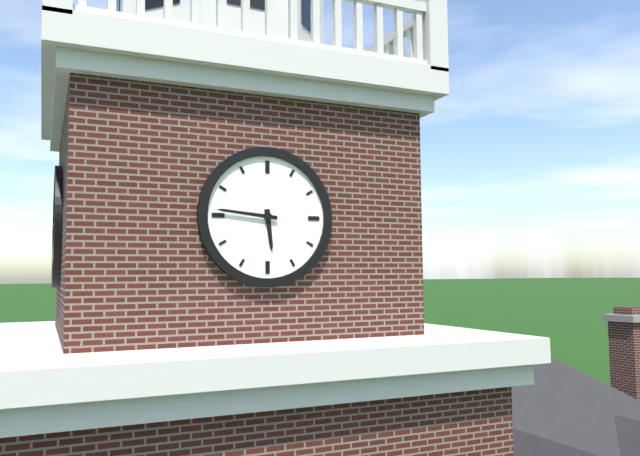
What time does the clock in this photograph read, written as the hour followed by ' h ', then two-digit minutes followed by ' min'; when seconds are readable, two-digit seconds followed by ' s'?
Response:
5 h 46 min
